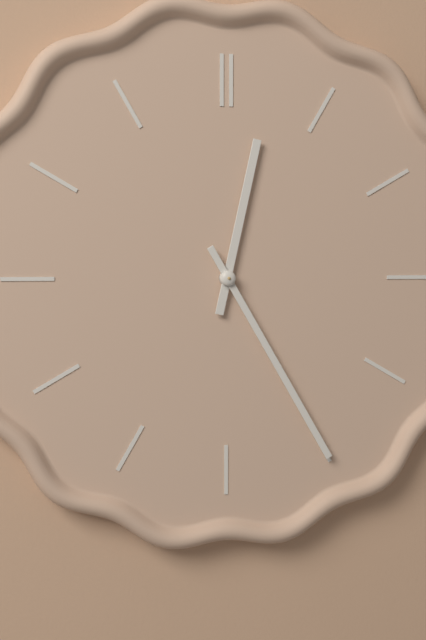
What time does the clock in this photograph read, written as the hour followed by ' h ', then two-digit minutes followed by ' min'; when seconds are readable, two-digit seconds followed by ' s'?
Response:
12 h 25 min
